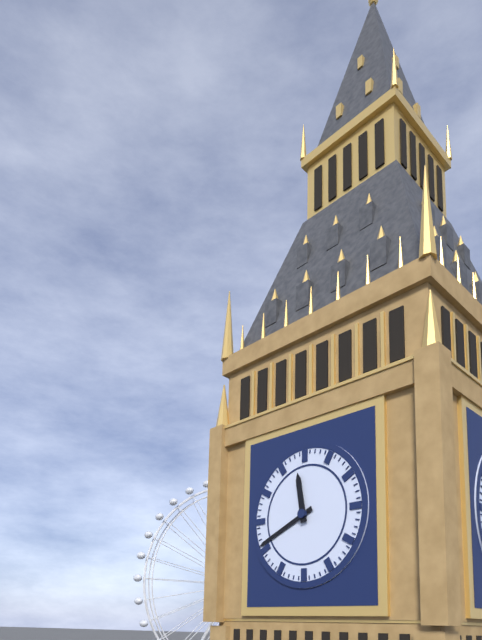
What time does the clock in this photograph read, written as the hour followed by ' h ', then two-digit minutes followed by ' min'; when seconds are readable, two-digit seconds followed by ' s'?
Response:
11 h 41 min
